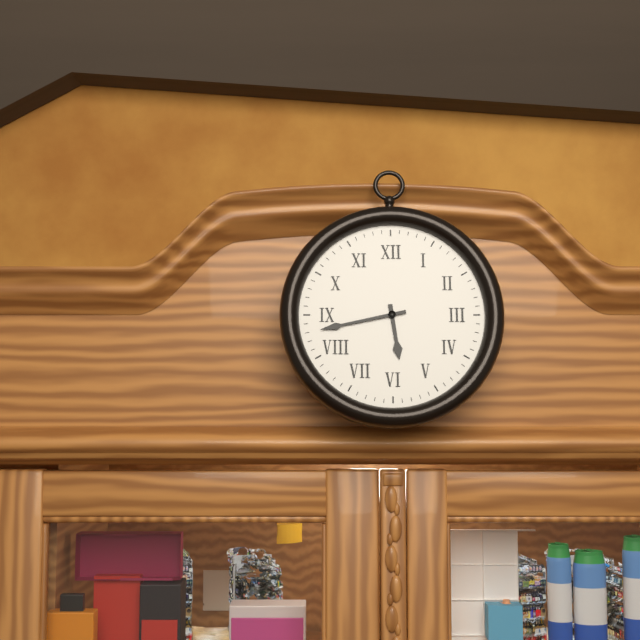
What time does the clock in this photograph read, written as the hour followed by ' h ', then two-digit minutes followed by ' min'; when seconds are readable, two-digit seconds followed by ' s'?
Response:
5 h 43 min
